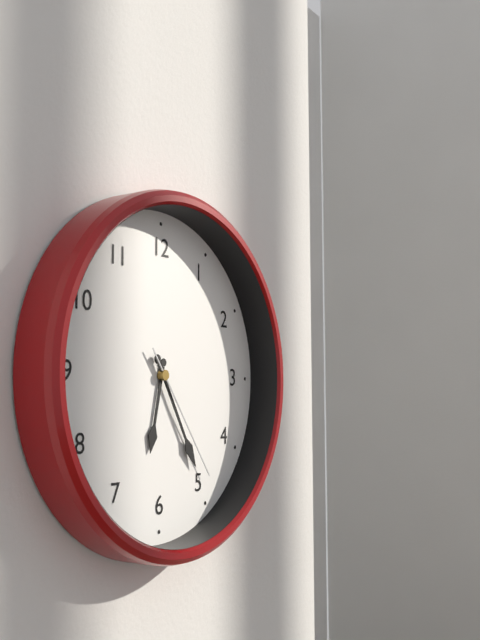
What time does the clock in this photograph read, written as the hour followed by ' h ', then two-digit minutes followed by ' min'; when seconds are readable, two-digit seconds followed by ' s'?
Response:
6 h 25 min 24 s
